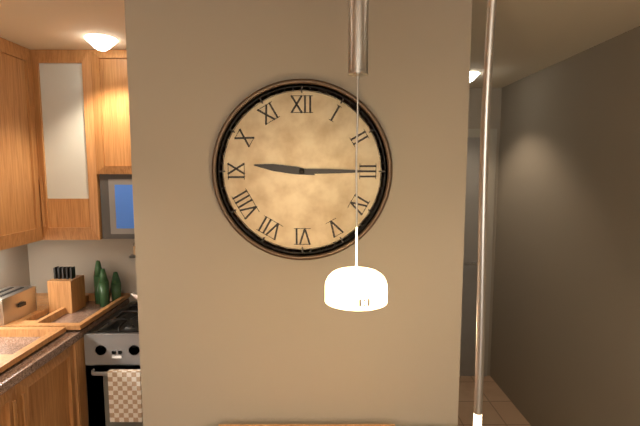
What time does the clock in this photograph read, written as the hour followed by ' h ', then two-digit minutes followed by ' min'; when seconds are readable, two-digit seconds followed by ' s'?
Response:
9 h 15 min
